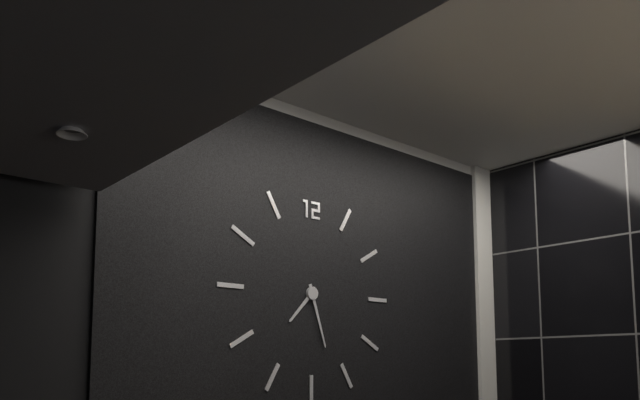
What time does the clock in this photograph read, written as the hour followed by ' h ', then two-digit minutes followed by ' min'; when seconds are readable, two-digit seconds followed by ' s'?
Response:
7 h 27 min
